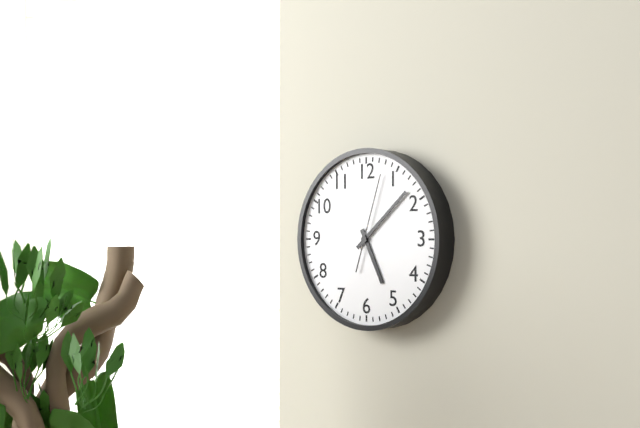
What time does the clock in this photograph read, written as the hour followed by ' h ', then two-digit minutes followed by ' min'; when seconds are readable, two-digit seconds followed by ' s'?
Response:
5 h 08 min 03 s
